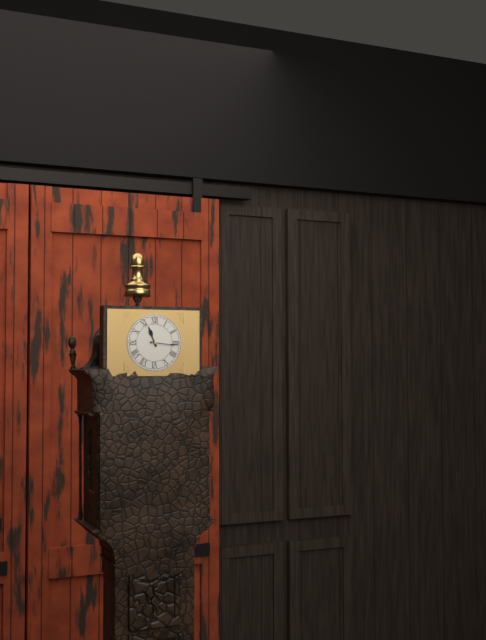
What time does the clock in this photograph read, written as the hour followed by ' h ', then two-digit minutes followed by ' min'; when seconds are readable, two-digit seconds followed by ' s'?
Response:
11 h 16 min
